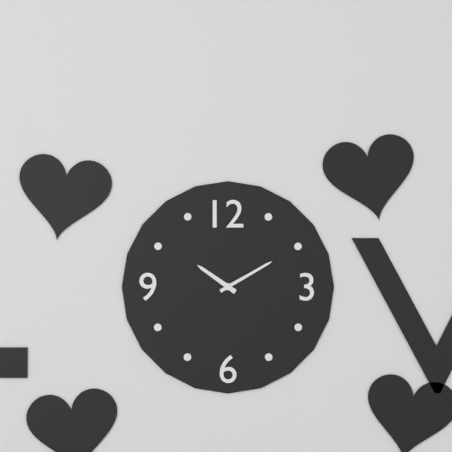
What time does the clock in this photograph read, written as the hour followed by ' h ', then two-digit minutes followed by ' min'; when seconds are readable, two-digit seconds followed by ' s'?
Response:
10 h 10 min
